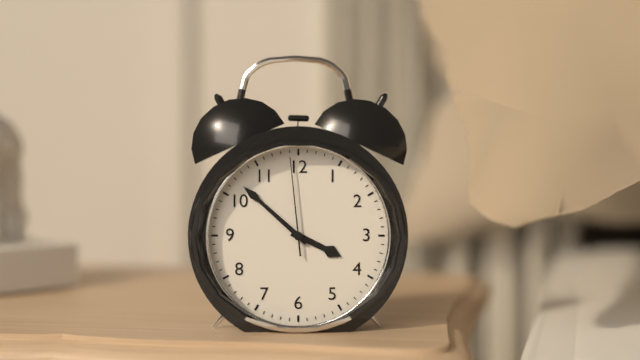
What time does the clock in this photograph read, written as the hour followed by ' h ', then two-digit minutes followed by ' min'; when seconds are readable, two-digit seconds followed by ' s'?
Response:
3 h 52 min 59 s
